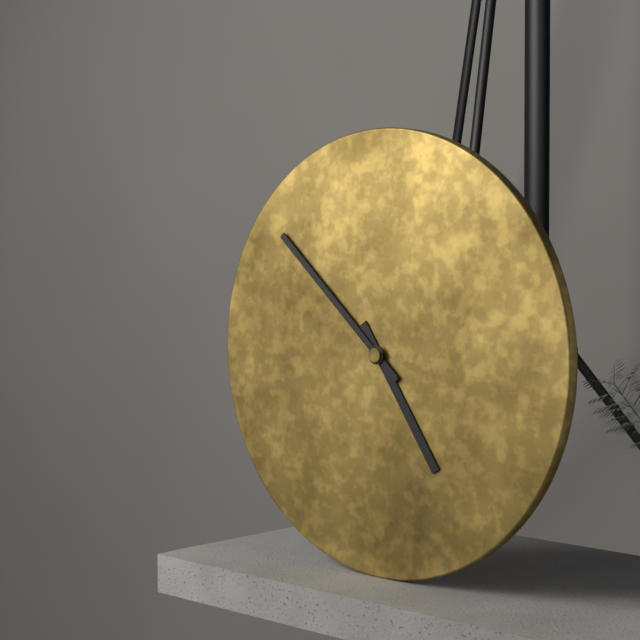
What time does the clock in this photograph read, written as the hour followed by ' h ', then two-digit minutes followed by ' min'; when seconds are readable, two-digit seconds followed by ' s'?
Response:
4 h 52 min
